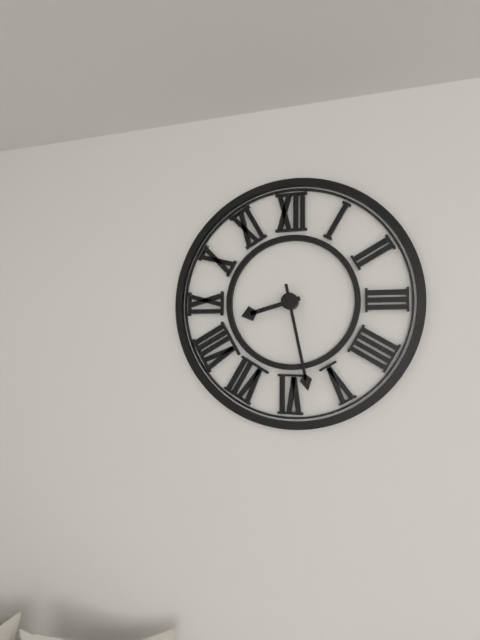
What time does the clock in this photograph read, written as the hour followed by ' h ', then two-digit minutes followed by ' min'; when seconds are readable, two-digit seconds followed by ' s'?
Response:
8 h 28 min
